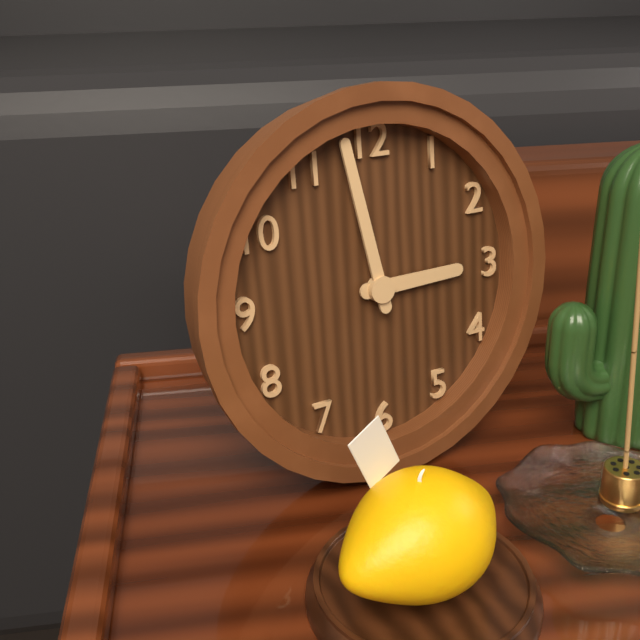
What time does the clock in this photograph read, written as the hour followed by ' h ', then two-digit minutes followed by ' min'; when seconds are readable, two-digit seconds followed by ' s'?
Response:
2 h 58 min
